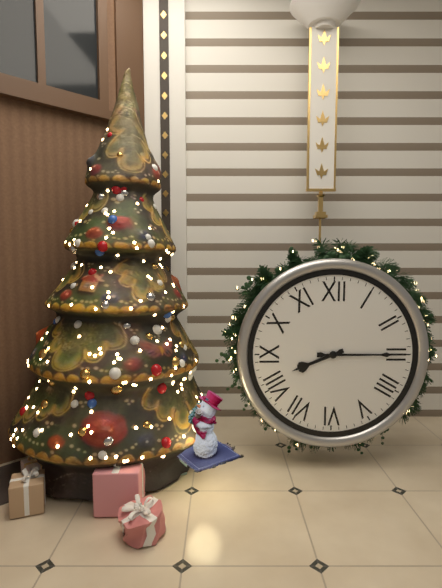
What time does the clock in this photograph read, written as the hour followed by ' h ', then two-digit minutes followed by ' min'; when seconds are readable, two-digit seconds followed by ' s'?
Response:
8 h 15 min
